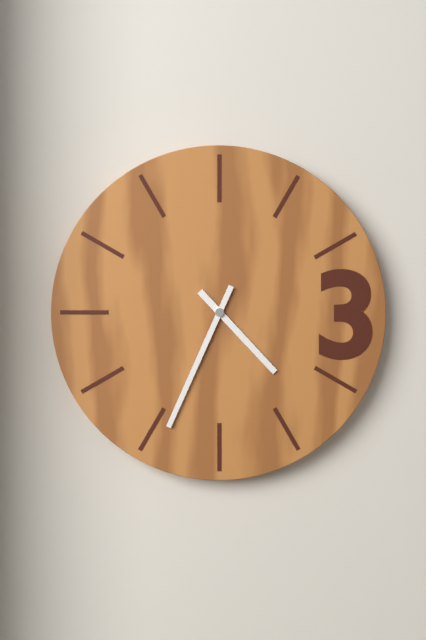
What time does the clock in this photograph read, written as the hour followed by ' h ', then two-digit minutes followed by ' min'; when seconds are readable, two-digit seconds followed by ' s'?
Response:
4 h 34 min
